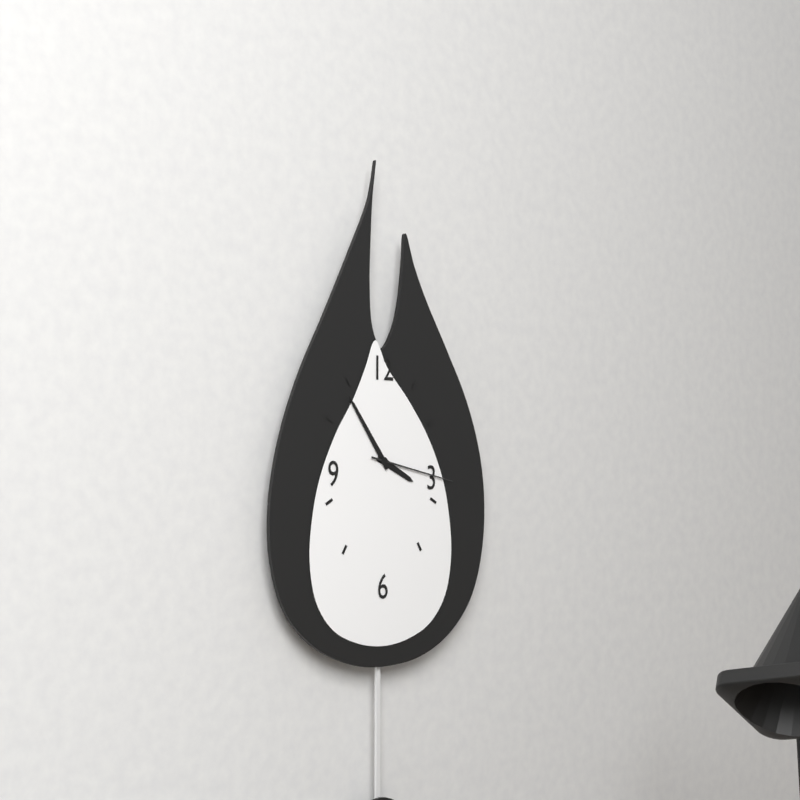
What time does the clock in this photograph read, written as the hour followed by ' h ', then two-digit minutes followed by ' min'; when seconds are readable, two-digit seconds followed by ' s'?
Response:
3 h 54 min 17 s
